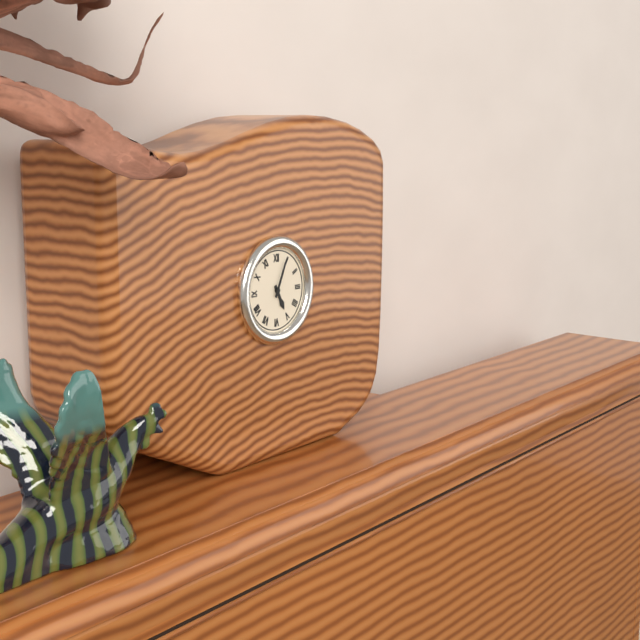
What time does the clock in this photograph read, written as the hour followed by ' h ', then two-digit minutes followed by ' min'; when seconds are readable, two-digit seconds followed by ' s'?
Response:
5 h 04 min
